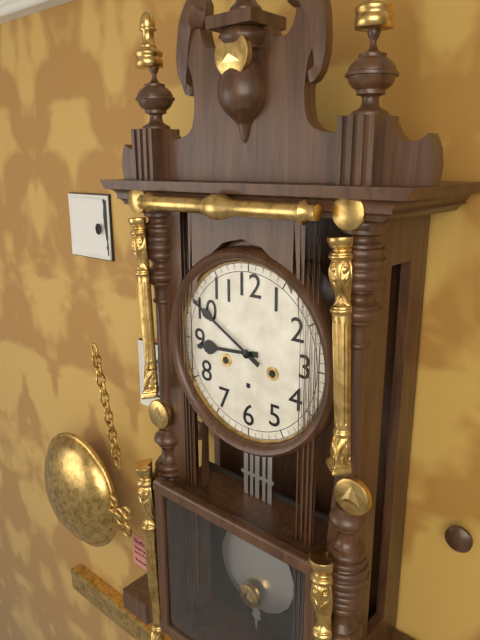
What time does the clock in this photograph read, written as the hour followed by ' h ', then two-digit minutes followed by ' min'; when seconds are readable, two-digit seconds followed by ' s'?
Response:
8 h 50 min
